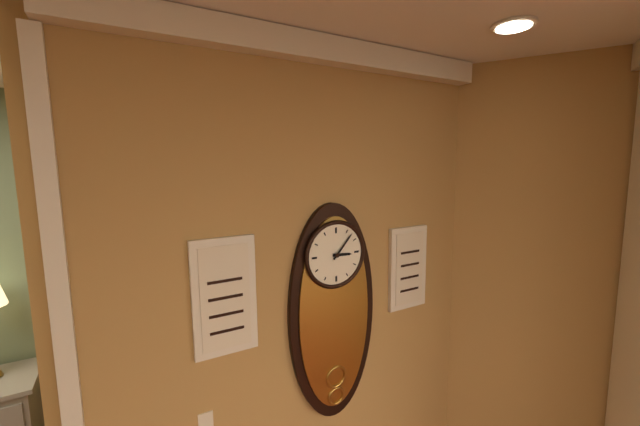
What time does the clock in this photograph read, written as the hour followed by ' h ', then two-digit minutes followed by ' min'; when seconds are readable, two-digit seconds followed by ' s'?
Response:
3 h 07 min
